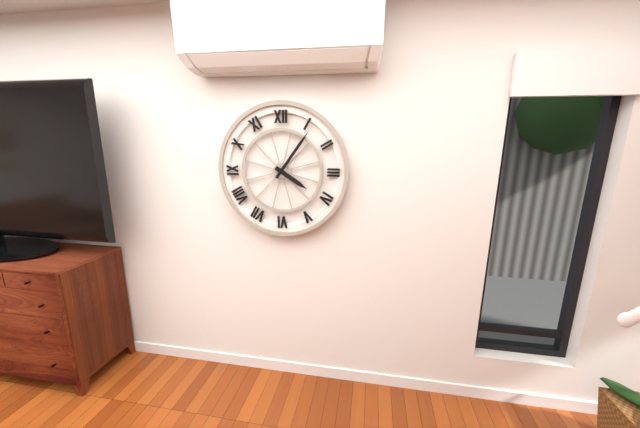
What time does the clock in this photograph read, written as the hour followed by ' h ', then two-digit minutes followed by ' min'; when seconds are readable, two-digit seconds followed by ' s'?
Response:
4 h 06 min
